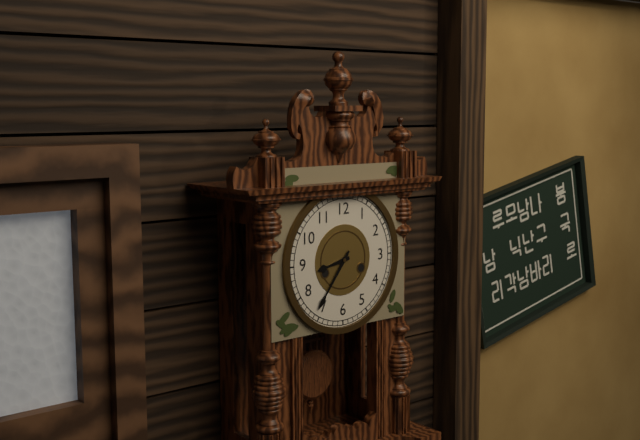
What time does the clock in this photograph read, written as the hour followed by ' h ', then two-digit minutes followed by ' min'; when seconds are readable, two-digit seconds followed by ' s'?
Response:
8 h 36 min
